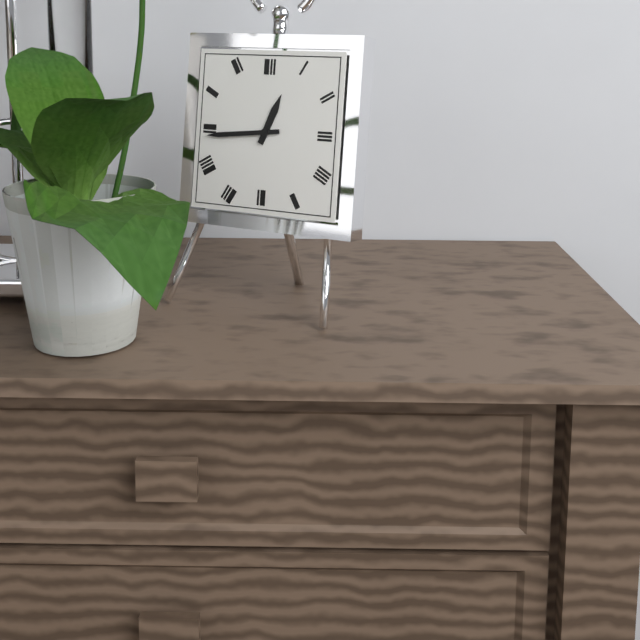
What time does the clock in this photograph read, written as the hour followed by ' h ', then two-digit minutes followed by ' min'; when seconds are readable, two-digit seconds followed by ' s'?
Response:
12 h 44 min
